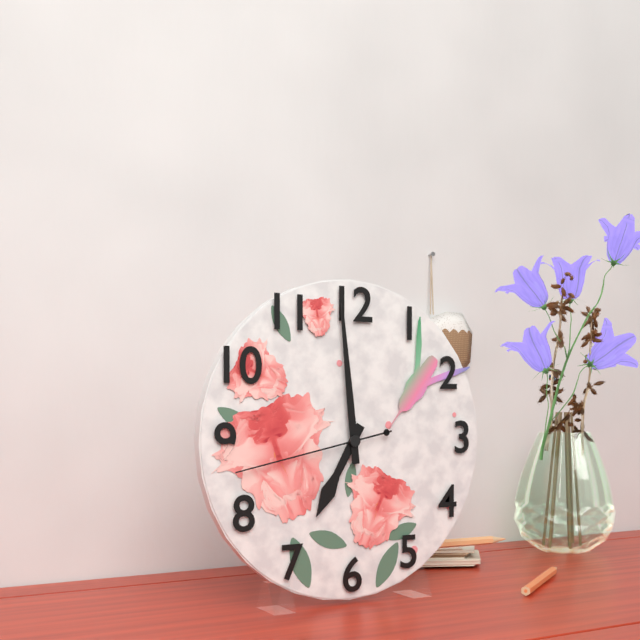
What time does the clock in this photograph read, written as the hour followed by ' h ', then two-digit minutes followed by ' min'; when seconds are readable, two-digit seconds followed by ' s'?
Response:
6 h 59 min 43 s
